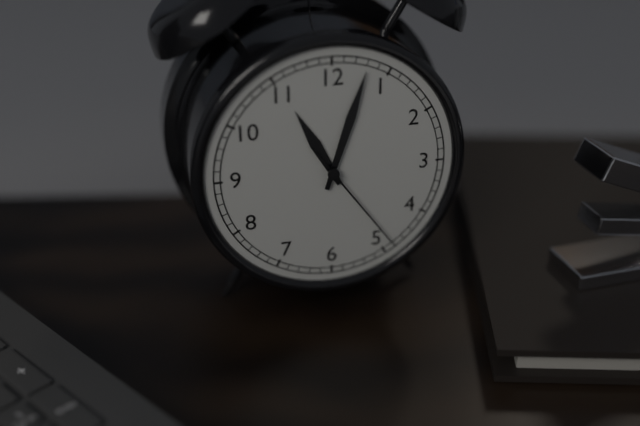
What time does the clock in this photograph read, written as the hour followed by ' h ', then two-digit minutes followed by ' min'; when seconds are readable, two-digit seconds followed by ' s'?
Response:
11 h 03 min 24 s
